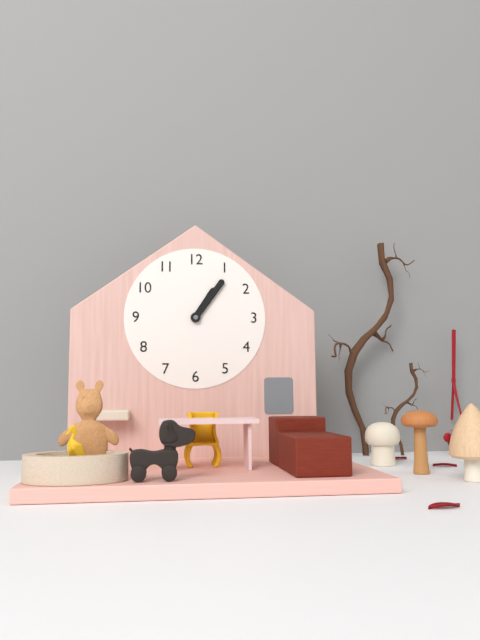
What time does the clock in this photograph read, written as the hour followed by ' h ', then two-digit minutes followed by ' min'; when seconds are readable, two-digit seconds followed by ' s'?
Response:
1 h 06 min
